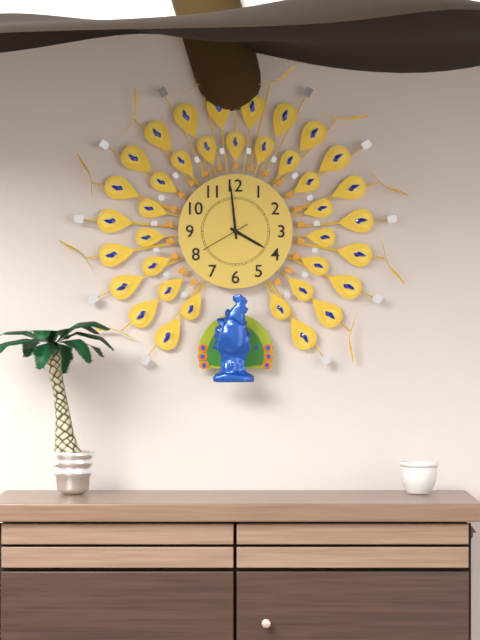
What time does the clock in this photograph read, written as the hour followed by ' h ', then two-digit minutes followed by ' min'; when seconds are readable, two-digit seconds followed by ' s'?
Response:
3 h 59 min
